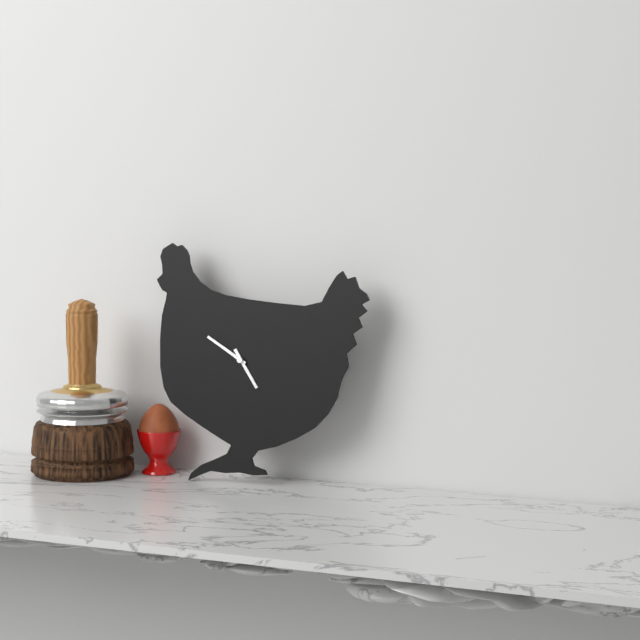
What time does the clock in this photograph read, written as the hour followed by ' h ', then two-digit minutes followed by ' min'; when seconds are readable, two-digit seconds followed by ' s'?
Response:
4 h 50 min
